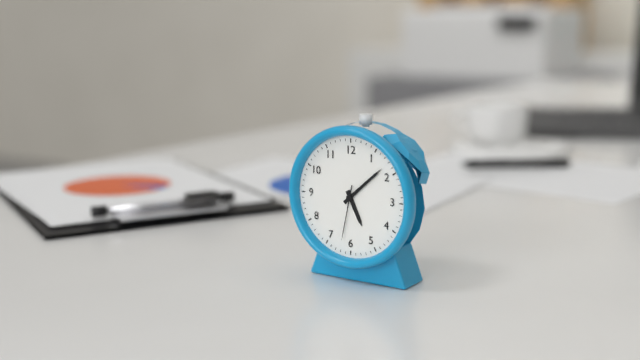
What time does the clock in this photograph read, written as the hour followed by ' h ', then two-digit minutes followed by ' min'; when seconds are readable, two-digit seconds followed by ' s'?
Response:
5 h 08 min 32 s
